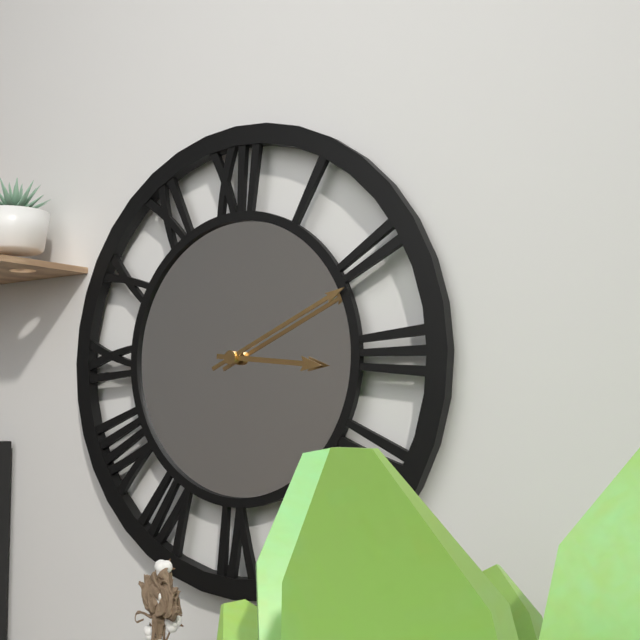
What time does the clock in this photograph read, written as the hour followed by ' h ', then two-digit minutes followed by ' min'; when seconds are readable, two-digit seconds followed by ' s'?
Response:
3 h 11 min
